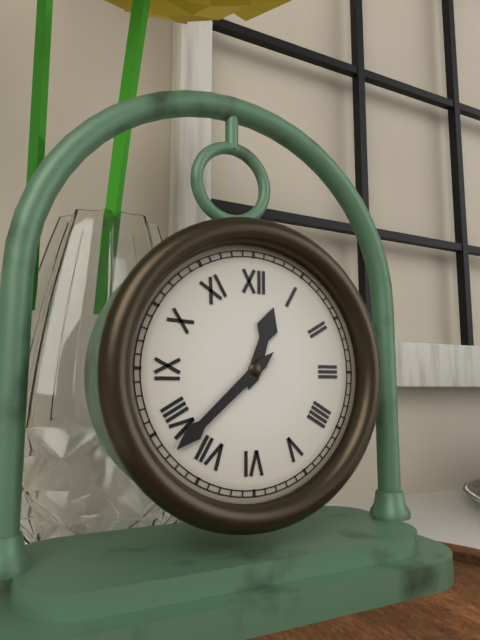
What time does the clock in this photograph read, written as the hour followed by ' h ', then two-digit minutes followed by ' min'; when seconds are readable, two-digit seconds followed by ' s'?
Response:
12 h 38 min
